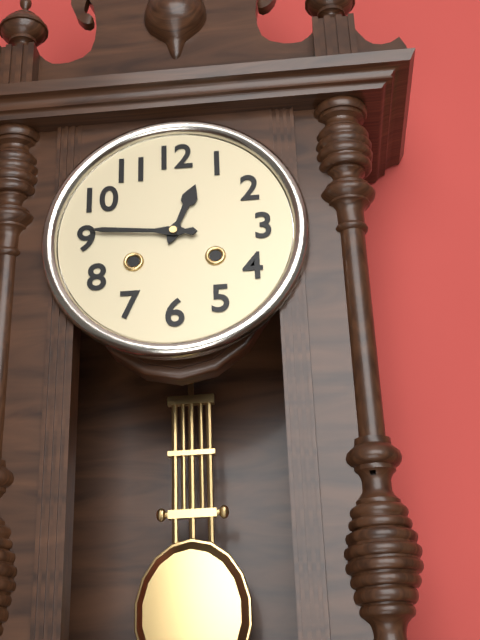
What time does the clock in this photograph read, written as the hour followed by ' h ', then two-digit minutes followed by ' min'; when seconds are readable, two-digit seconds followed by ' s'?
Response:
12 h 46 min
